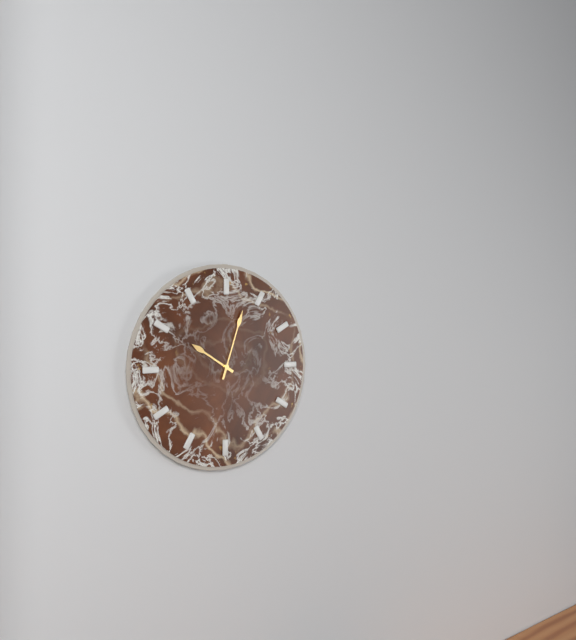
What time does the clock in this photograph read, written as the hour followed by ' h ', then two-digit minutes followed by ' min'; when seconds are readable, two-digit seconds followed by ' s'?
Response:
10 h 03 min
